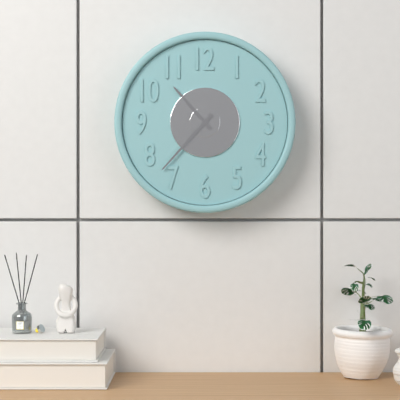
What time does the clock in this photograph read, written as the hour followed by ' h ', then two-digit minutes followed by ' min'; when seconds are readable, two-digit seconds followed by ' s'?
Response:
10 h 37 min
